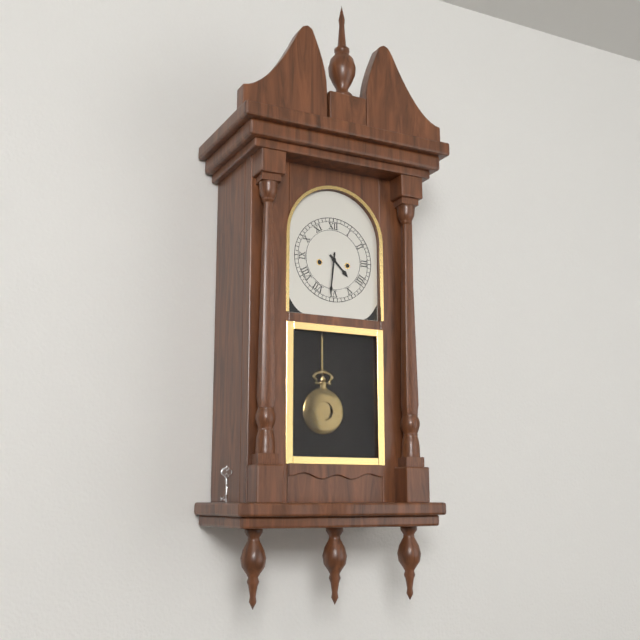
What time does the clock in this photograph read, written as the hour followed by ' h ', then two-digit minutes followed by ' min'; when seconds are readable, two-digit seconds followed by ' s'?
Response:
4 h 31 min
